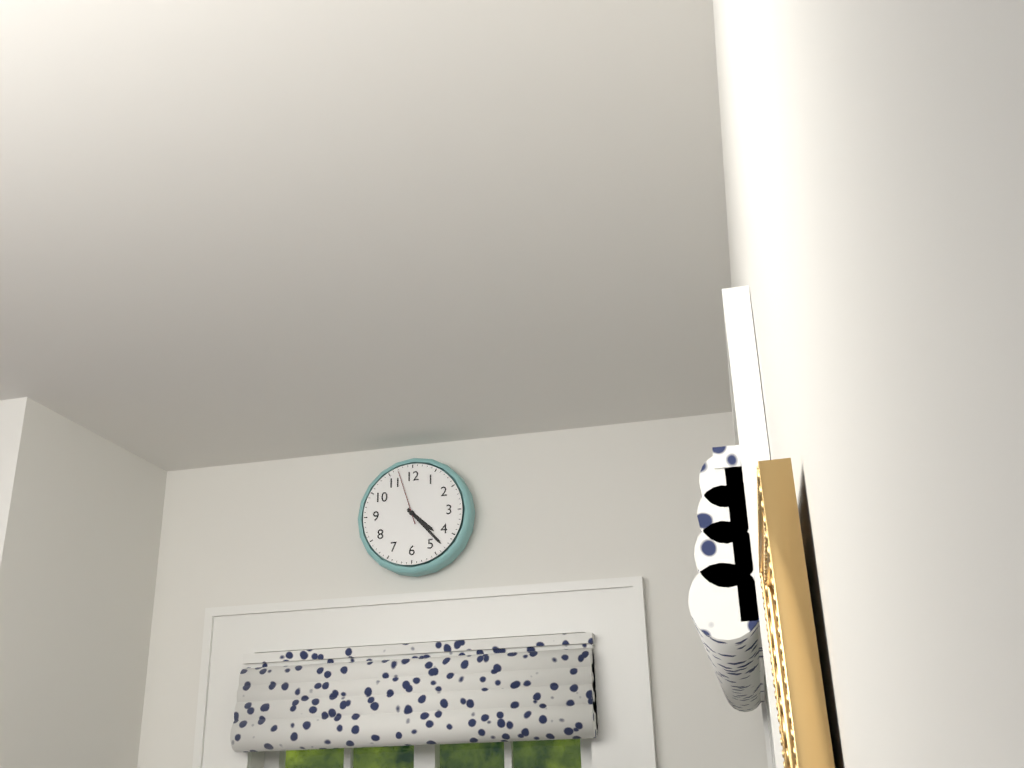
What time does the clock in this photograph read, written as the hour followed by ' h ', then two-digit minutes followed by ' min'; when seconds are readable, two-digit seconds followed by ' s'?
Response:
4 h 23 min 57 s
